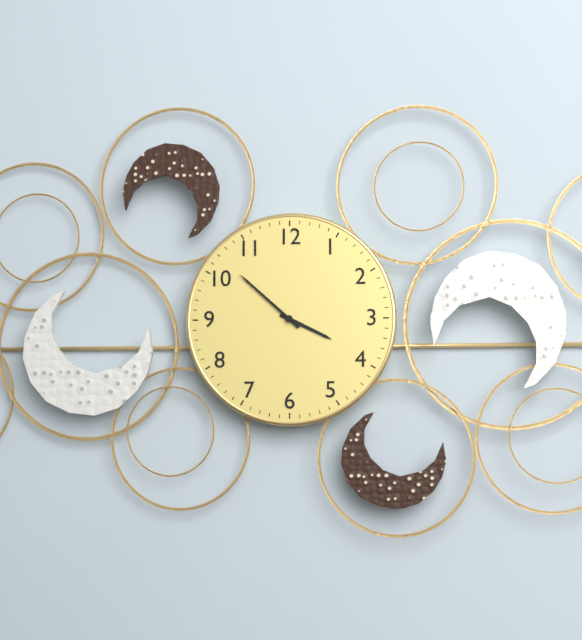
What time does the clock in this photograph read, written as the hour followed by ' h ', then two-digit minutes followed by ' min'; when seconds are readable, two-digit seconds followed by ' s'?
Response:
3 h 52 min
